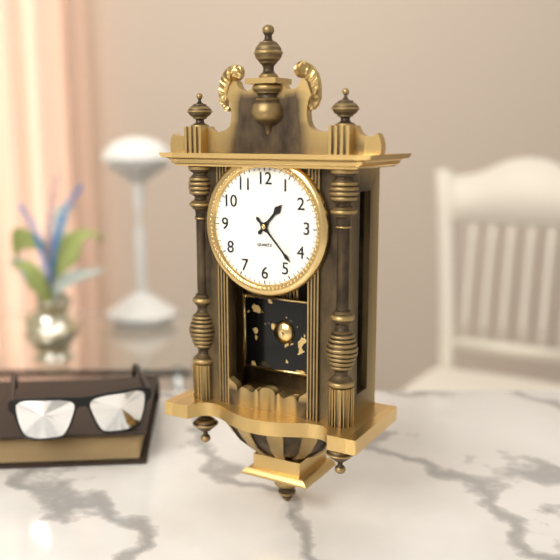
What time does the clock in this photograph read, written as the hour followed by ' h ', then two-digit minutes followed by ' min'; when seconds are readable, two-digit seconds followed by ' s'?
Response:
1 h 23 min
